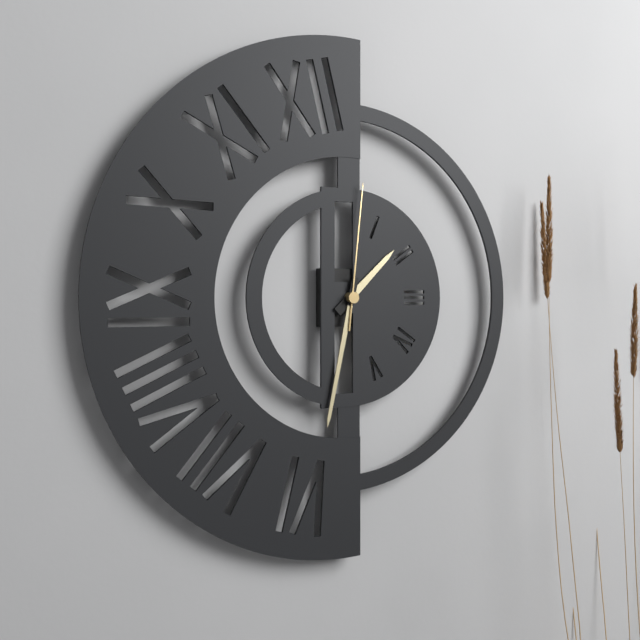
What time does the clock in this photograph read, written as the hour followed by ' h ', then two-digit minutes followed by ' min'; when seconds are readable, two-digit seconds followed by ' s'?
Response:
1 h 32 min 01 s
